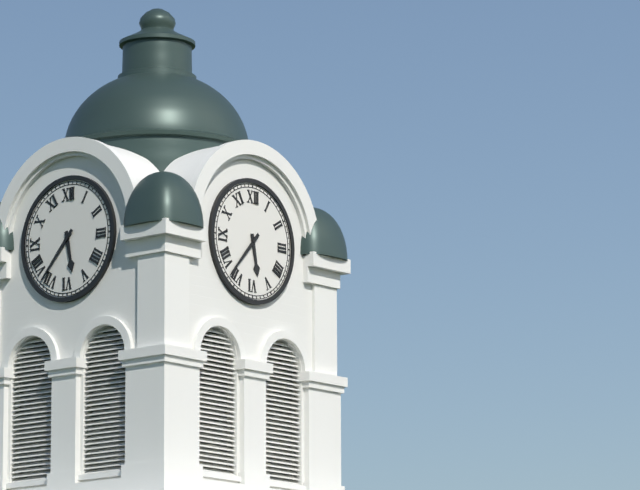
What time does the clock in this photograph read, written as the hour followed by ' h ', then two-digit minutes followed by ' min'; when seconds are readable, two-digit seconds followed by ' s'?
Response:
5 h 37 min
